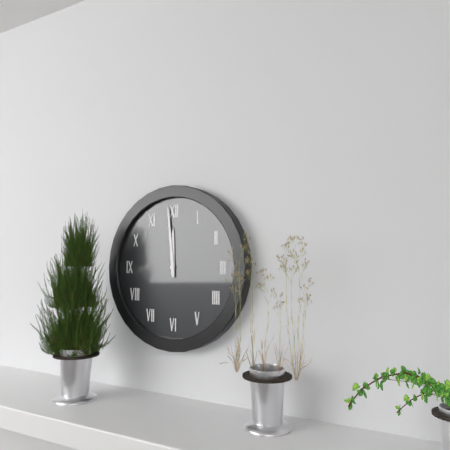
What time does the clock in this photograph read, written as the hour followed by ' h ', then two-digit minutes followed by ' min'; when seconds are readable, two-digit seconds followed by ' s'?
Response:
11 h 59 min
